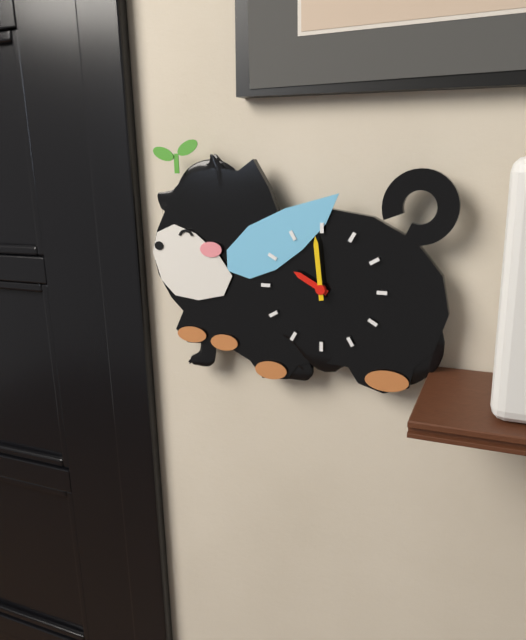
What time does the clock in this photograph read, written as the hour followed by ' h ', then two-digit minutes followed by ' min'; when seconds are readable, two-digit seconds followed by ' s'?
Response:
9 h 59 min
